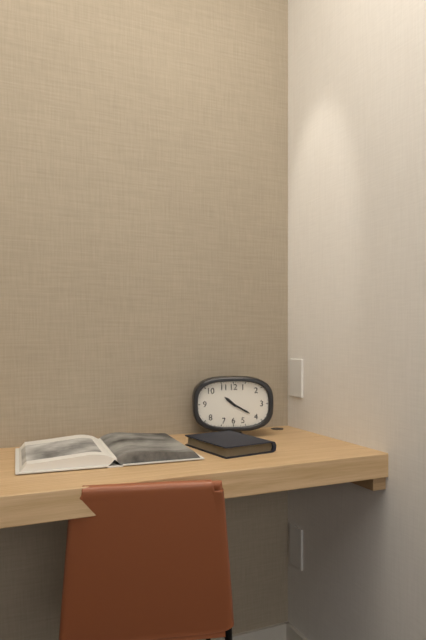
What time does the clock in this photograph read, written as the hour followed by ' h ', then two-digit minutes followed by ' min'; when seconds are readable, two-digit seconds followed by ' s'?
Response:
10 h 20 min
